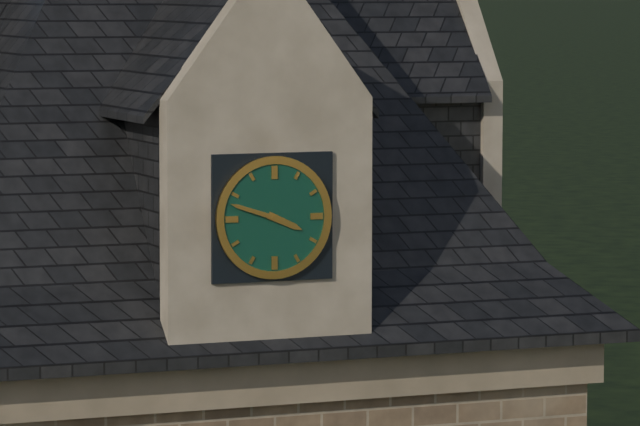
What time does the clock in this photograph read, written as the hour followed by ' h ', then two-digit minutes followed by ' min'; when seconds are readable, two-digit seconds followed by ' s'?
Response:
3 h 48 min
